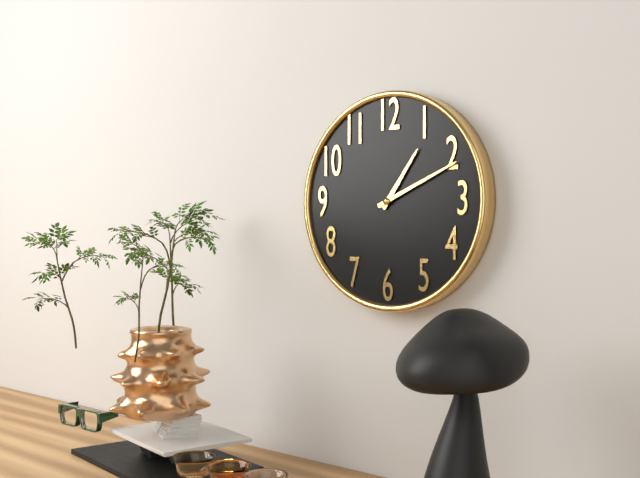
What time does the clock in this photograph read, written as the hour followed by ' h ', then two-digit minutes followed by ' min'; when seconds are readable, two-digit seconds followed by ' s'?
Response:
1 h 11 min
